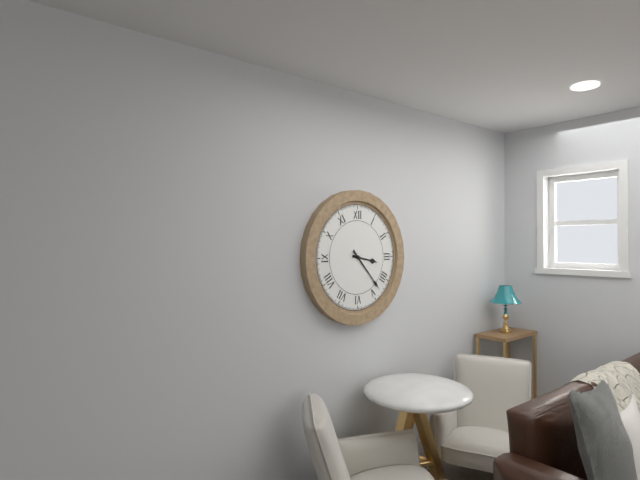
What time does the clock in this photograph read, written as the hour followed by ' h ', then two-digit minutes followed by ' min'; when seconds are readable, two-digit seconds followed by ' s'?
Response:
3 h 23 min
